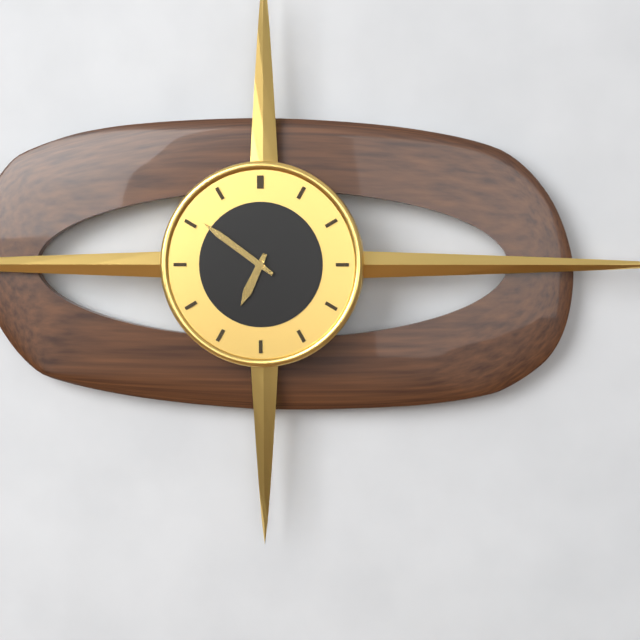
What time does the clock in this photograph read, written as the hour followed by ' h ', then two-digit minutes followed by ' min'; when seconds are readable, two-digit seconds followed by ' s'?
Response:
6 h 51 min
